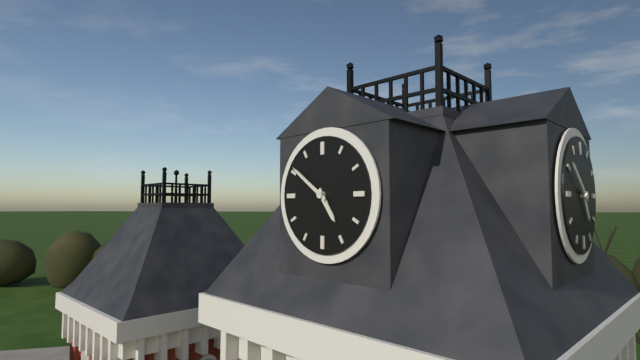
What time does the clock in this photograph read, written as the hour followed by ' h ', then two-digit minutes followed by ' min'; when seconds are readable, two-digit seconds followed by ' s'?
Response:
4 h 51 min
